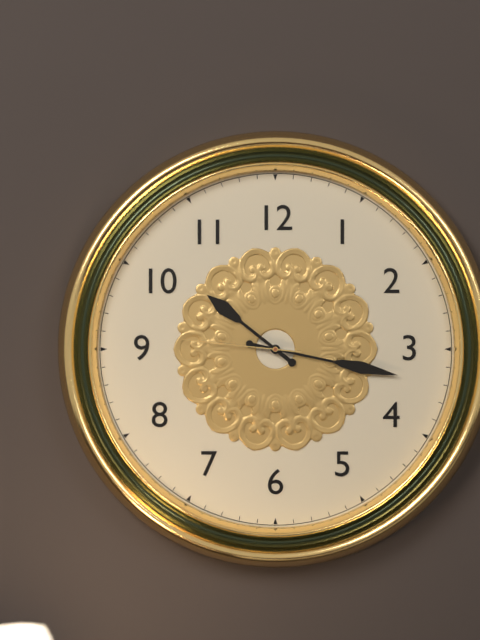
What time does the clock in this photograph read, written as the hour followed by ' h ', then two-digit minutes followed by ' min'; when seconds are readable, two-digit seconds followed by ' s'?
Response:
10 h 17 min 46 s
